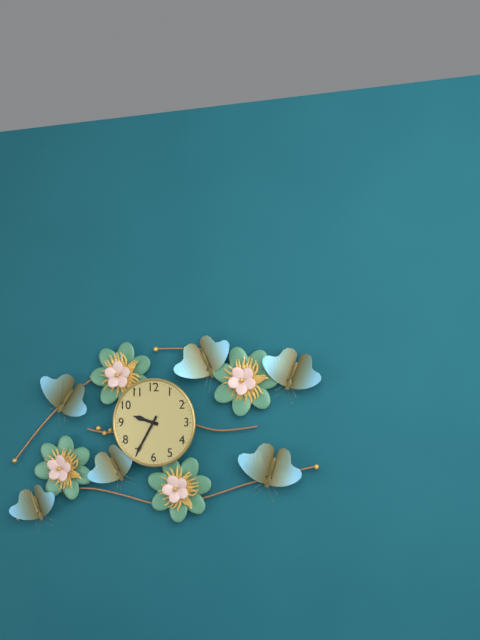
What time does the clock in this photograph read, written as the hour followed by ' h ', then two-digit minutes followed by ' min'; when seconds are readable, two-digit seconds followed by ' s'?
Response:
9 h 35 min
